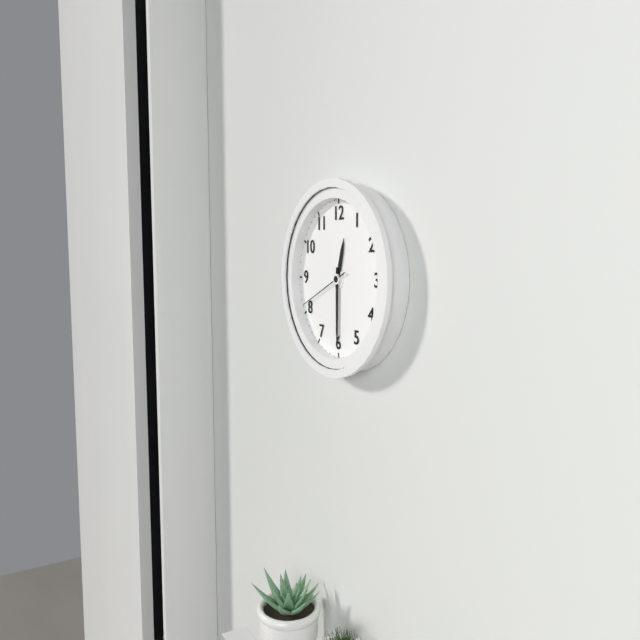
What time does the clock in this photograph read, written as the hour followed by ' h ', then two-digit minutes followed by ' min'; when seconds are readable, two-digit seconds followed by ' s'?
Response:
12 h 30 min 41 s
